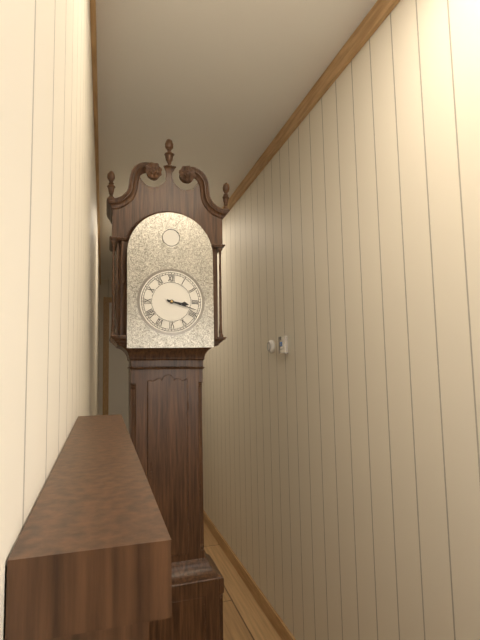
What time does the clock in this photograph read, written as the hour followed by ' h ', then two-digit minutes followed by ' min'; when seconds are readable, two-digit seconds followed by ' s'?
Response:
3 h 18 min
